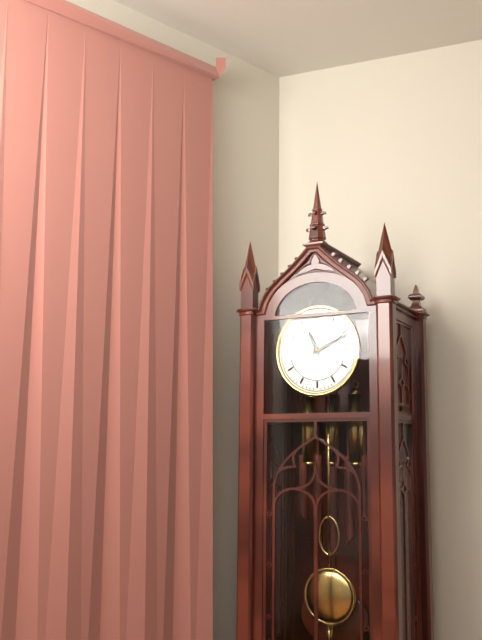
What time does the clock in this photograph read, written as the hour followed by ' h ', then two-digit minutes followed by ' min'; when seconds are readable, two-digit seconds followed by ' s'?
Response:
11 h 11 min
